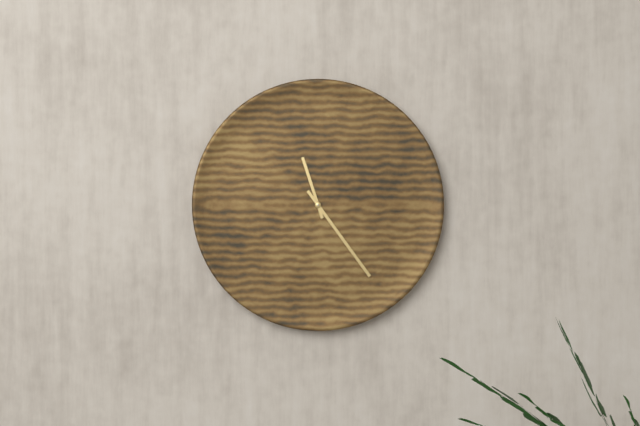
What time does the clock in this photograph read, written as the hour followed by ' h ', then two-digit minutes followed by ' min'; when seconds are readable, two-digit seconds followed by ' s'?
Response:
11 h 24 min
